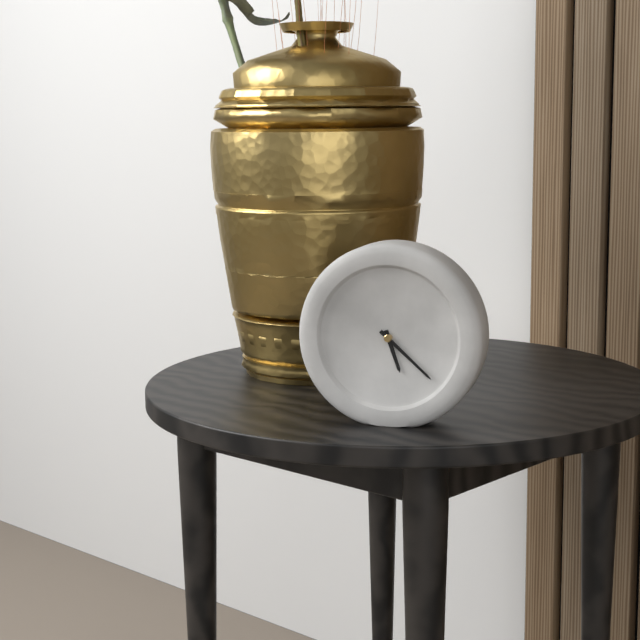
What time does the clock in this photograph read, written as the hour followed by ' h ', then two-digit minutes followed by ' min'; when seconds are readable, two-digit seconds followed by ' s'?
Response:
5 h 22 min
